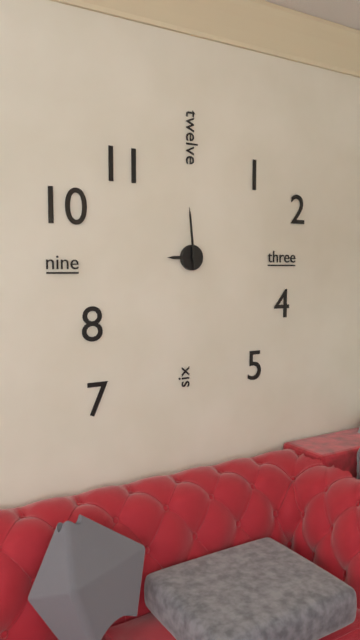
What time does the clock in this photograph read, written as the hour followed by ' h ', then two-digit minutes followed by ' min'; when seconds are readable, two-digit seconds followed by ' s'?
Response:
8 h 59 min
